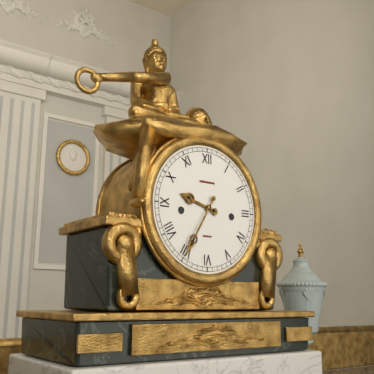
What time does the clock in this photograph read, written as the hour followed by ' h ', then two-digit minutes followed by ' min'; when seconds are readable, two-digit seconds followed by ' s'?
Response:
9 h 35 min
